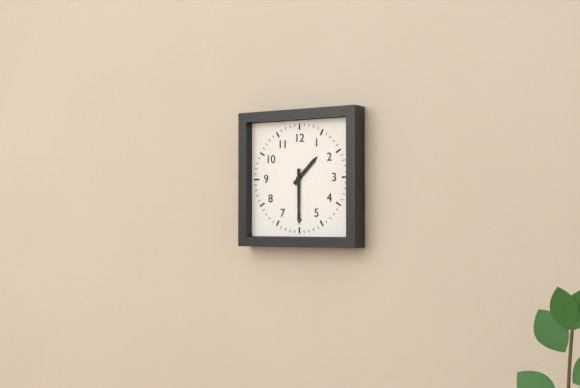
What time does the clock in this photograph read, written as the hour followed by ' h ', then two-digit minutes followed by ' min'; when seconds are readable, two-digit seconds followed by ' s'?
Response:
1 h 30 min
